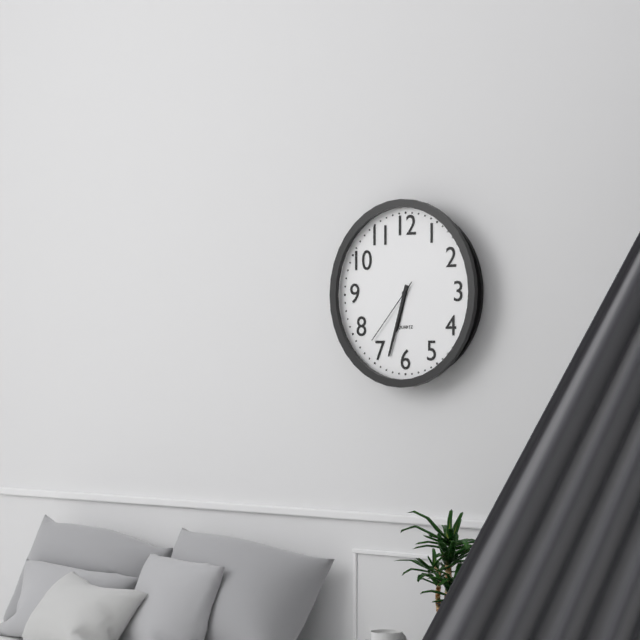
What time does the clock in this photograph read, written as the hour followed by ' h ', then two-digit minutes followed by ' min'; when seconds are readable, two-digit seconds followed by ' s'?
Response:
6 h 33 min 37 s
